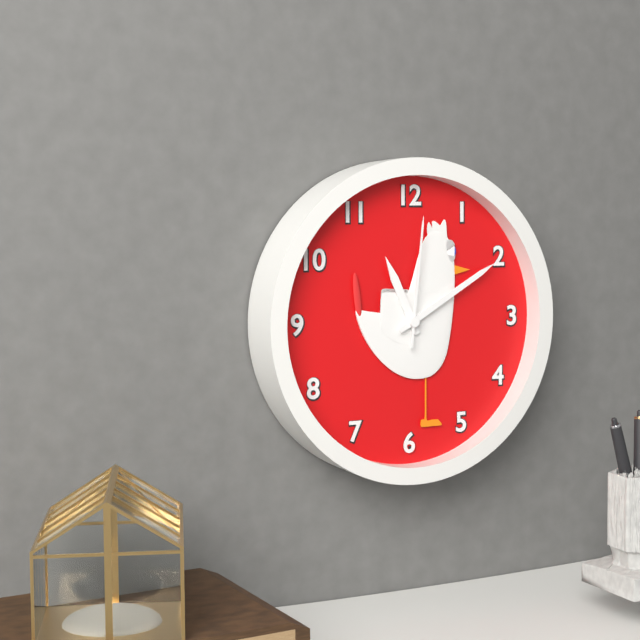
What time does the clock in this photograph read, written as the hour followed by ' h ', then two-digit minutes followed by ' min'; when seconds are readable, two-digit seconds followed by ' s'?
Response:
11 h 10 min 01 s
